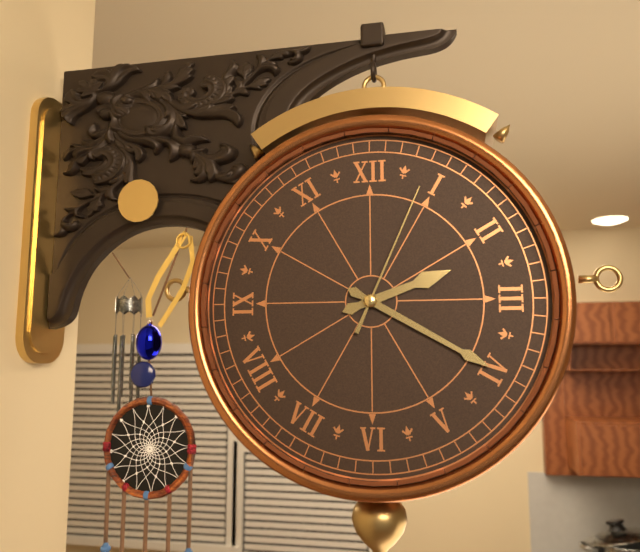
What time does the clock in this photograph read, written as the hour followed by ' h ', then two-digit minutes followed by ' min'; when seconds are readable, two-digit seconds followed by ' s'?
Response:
2 h 20 min 04 s
